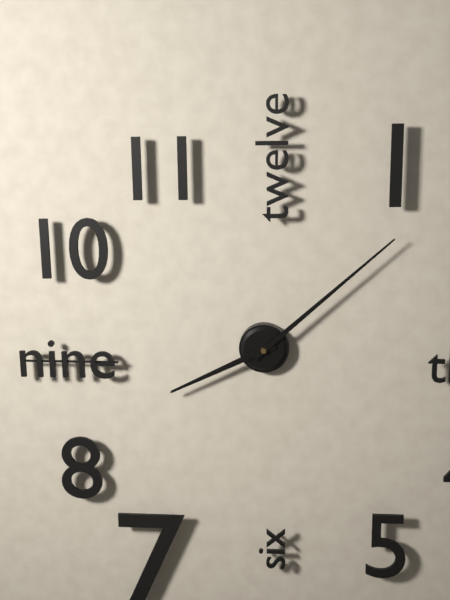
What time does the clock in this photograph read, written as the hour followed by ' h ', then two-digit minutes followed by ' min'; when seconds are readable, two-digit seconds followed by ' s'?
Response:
8 h 08 min
